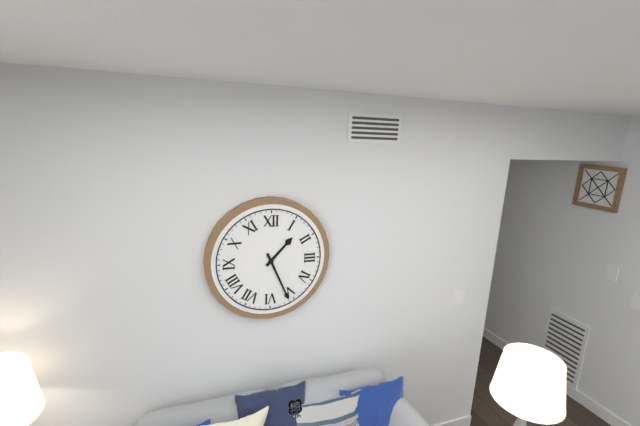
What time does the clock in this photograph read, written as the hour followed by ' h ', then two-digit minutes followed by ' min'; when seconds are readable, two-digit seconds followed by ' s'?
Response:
1 h 26 min
